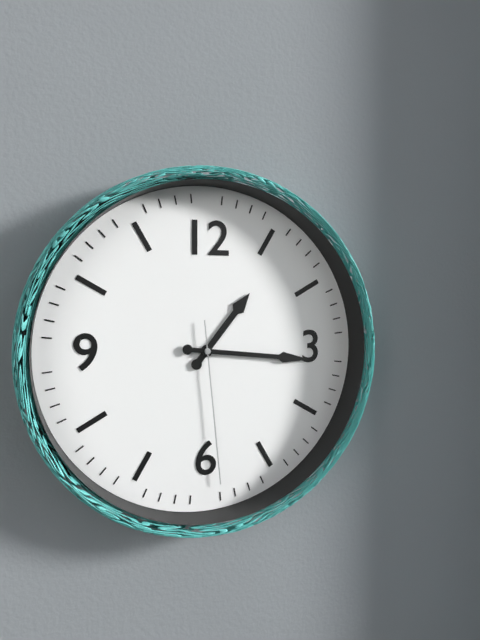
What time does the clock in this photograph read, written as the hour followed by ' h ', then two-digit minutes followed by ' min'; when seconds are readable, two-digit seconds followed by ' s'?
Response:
1 h 16 min 29 s
